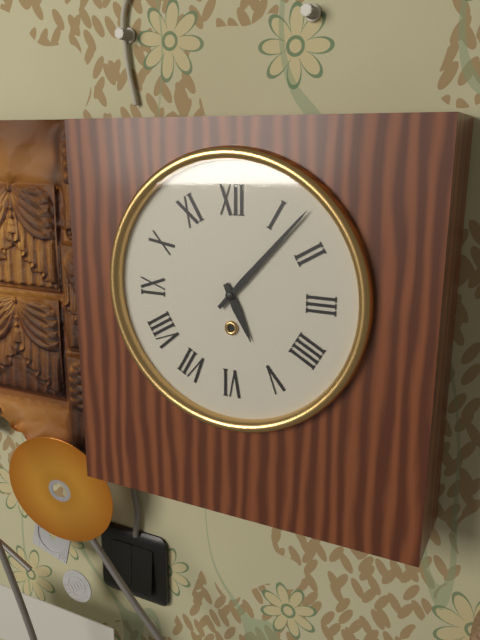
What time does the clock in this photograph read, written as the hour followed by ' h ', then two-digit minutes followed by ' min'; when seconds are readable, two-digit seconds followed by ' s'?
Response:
5 h 07 min
